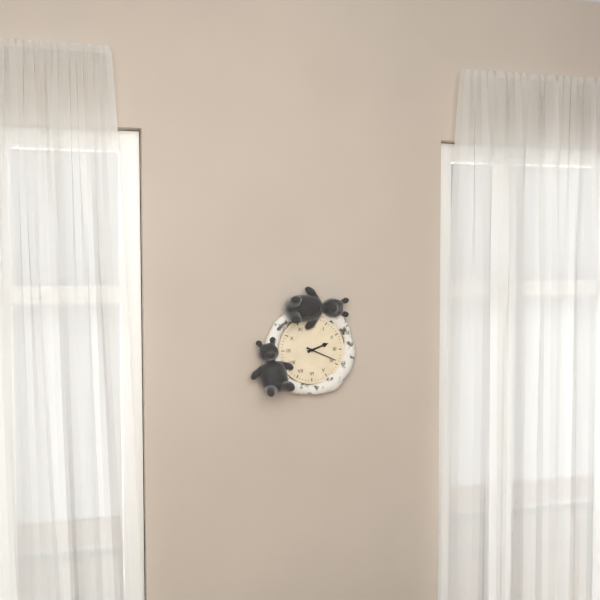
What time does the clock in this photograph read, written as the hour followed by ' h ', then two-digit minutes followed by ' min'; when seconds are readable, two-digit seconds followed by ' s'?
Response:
2 h 19 min
